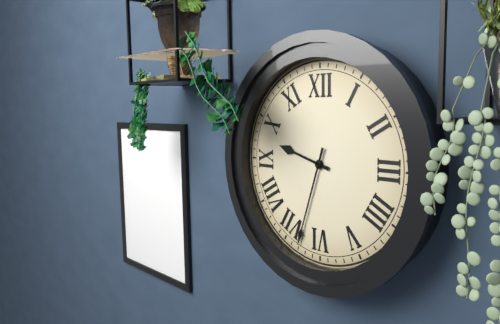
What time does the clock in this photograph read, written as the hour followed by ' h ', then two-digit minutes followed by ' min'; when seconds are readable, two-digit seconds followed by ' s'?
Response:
9 h 33 min
